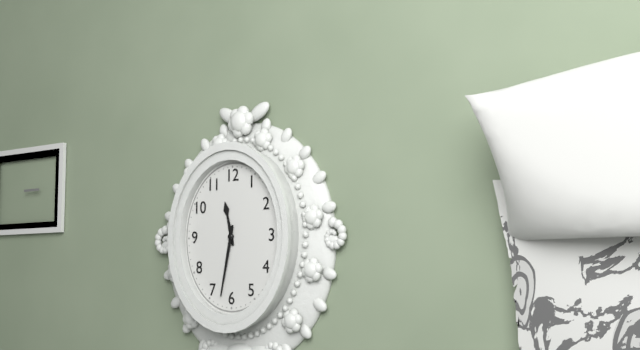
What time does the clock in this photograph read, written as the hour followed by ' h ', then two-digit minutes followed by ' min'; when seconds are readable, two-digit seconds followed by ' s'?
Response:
11 h 32 min
